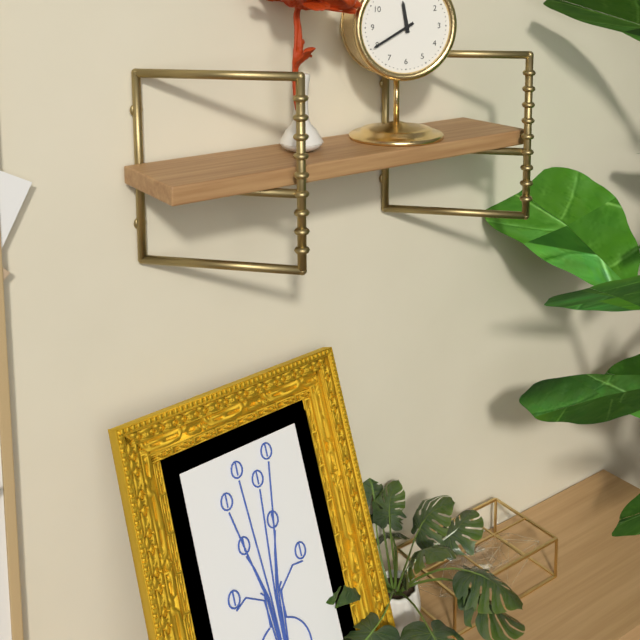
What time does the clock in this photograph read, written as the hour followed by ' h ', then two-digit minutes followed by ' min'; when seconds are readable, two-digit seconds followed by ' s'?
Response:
11 h 40 min
